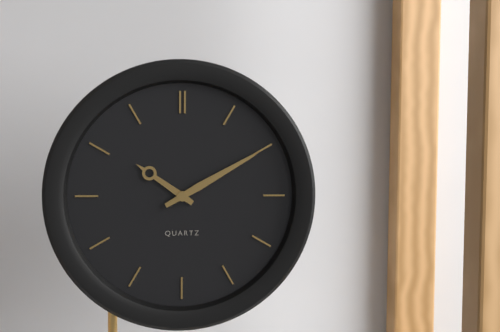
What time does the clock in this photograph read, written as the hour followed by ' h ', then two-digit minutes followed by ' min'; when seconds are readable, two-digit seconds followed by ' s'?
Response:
10 h 10 min
